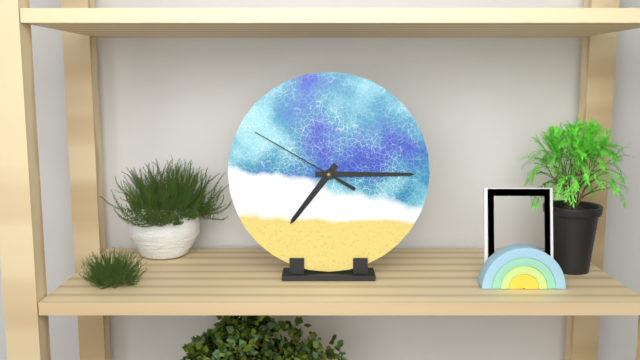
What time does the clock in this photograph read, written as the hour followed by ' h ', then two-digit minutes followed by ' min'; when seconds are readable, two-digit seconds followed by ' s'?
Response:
7 h 15 min 50 s
